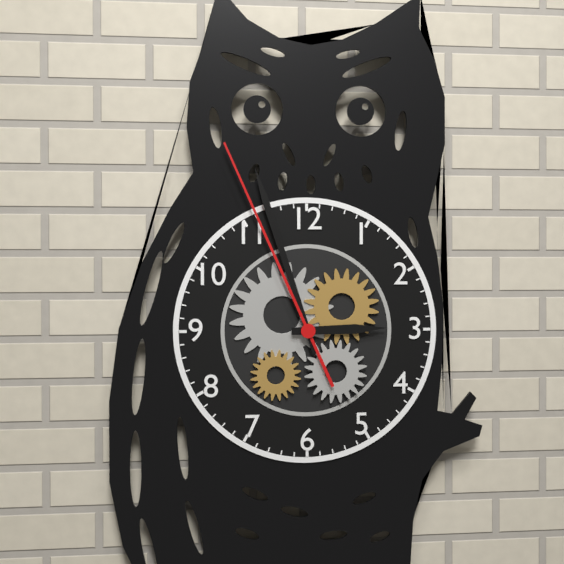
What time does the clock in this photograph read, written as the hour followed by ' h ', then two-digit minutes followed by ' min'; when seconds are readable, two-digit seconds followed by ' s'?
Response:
2 h 57 min 56 s
